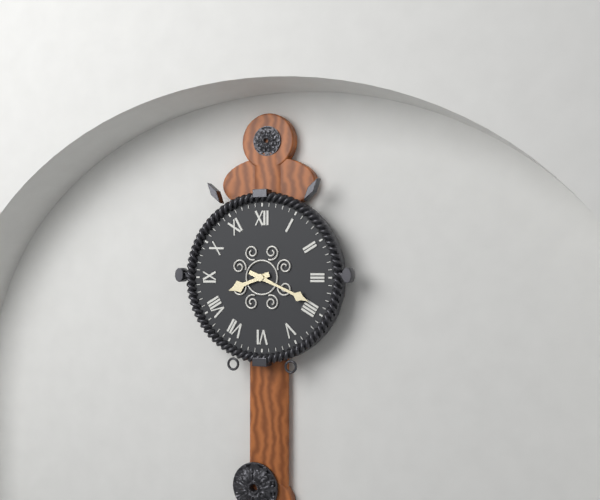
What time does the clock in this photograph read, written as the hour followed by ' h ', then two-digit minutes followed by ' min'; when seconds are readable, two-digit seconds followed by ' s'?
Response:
8 h 19 min
